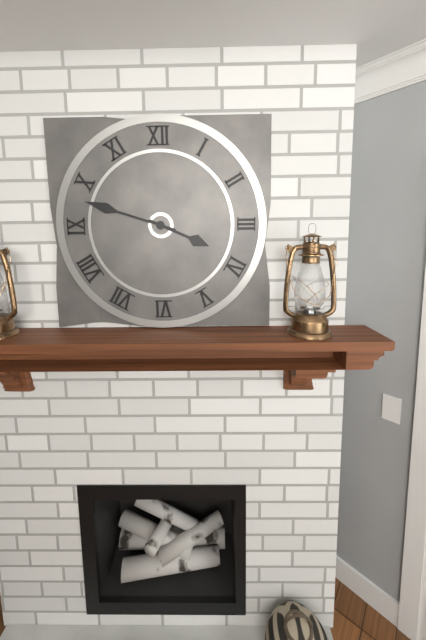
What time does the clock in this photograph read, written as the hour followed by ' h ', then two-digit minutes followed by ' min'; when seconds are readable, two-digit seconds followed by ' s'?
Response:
3 h 48 min
